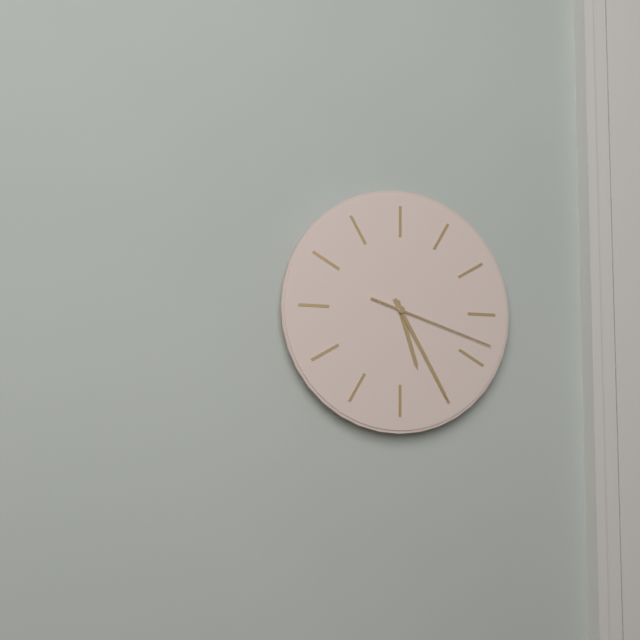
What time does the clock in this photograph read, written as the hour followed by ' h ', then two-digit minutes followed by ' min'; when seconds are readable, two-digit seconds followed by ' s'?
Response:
5 h 25 min 18 s
